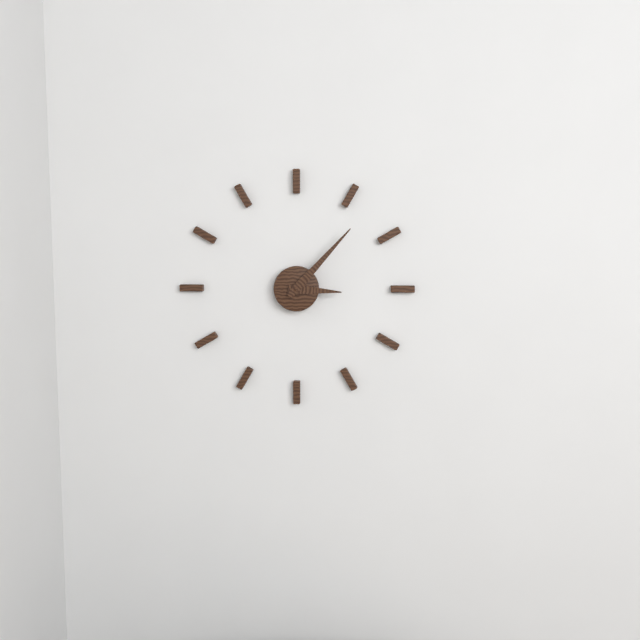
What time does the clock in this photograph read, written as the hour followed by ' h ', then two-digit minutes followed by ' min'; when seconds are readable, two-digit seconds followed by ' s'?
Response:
3 h 07 min
